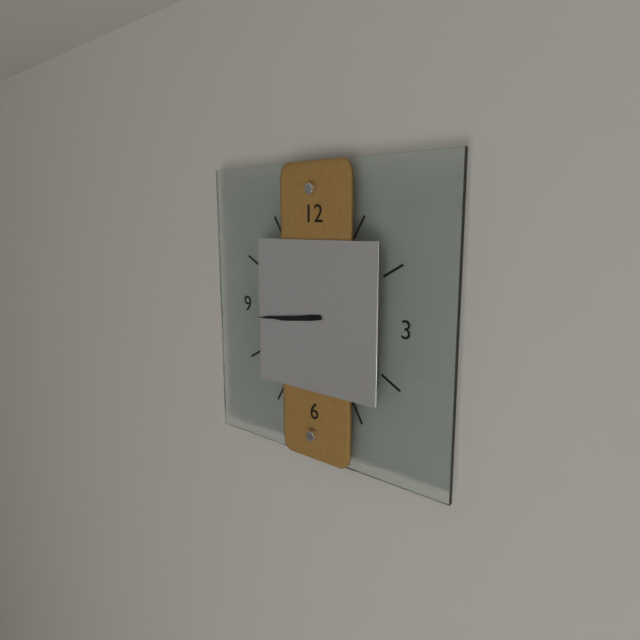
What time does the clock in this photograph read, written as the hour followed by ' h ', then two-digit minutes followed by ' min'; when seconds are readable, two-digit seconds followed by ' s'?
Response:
8 h 44 min
